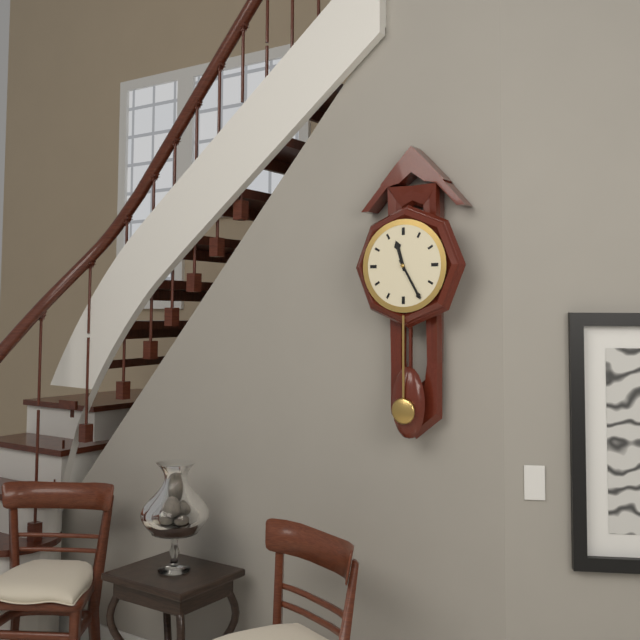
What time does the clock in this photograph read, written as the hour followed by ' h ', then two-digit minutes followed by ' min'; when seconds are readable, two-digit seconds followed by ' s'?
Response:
11 h 25 min
